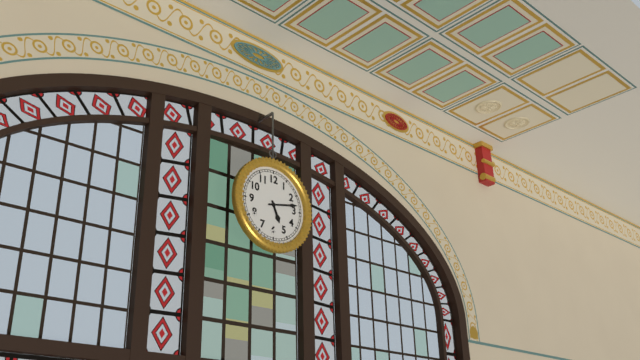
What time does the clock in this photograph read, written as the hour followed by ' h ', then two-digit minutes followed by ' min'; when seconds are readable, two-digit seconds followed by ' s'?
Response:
5 h 13 min
